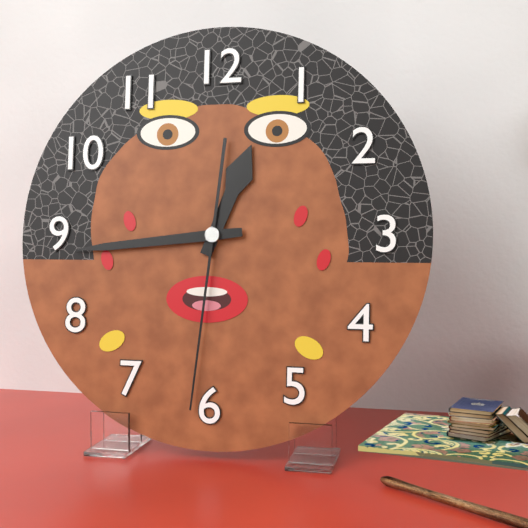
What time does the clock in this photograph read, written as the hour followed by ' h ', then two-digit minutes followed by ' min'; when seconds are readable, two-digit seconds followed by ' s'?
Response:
12 h 44 min 31 s
